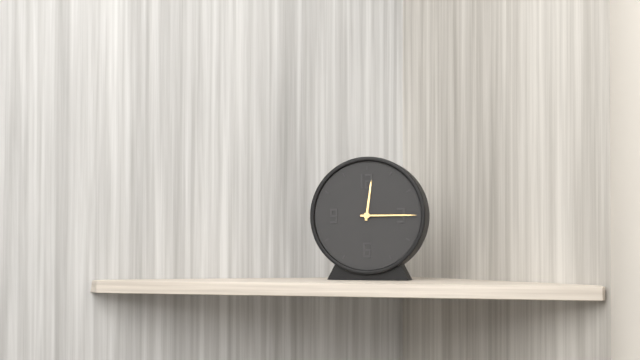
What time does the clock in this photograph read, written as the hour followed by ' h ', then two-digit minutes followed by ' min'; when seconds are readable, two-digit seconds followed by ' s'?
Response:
12 h 15 min
